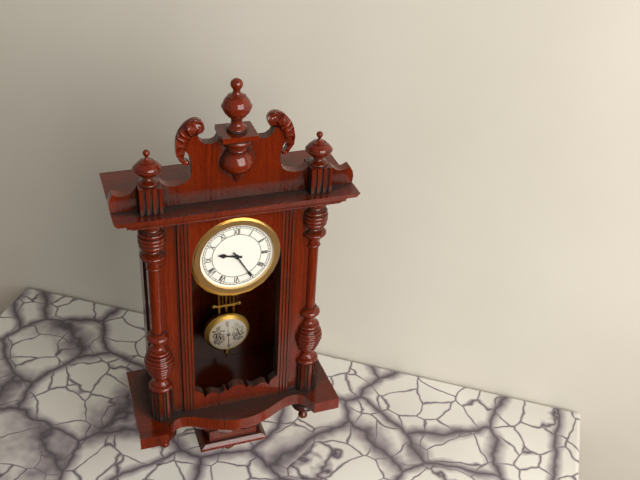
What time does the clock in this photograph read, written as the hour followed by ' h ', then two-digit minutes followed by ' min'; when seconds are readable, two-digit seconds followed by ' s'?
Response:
9 h 25 min
